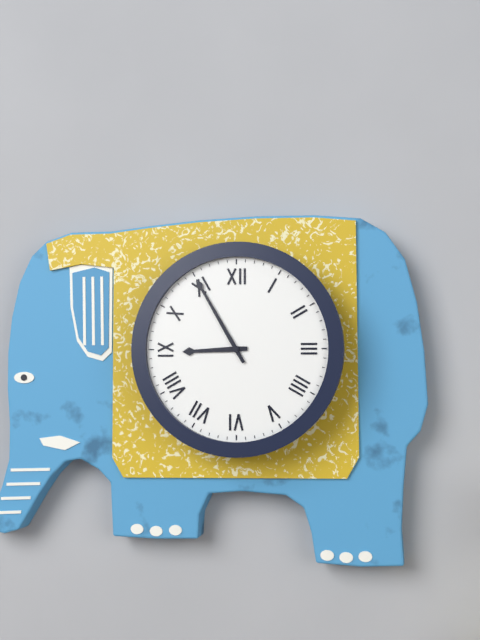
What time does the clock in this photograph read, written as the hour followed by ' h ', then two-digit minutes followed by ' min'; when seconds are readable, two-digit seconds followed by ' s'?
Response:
8 h 55 min
